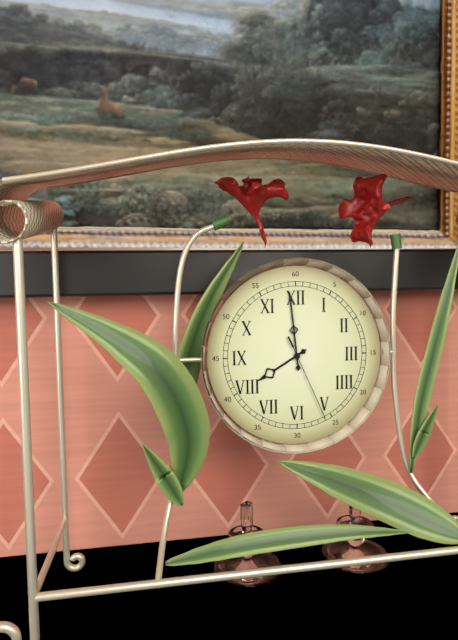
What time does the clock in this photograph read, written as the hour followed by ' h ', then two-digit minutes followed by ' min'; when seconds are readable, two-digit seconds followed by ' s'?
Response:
7 h 59 min 26 s
